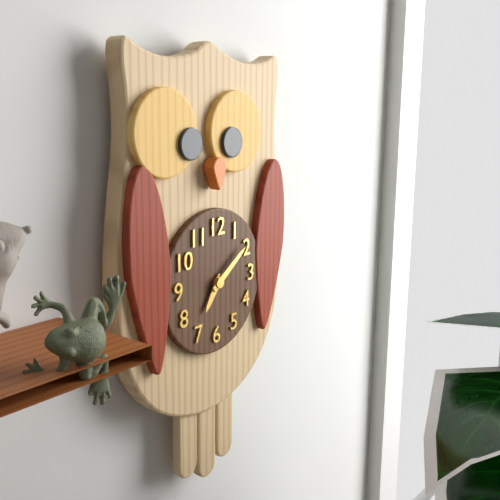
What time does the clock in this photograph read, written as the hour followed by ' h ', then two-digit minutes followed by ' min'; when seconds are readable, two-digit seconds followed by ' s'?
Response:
7 h 09 min
